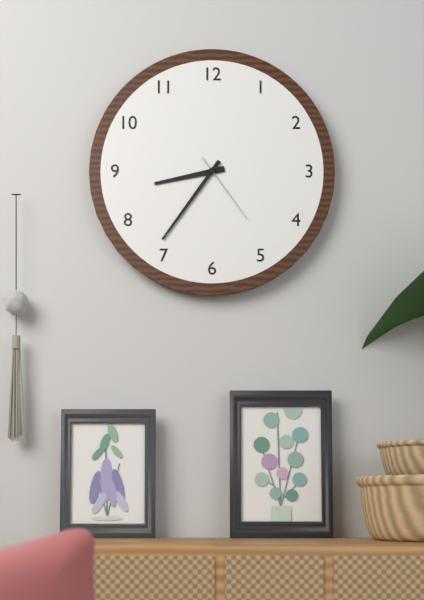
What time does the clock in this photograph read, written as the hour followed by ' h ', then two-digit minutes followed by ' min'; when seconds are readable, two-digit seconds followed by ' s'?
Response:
8 h 36 min 24 s
